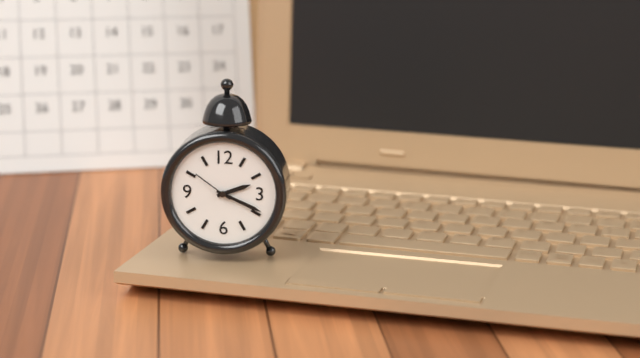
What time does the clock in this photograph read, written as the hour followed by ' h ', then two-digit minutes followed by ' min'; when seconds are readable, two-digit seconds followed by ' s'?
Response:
2 h 19 min
